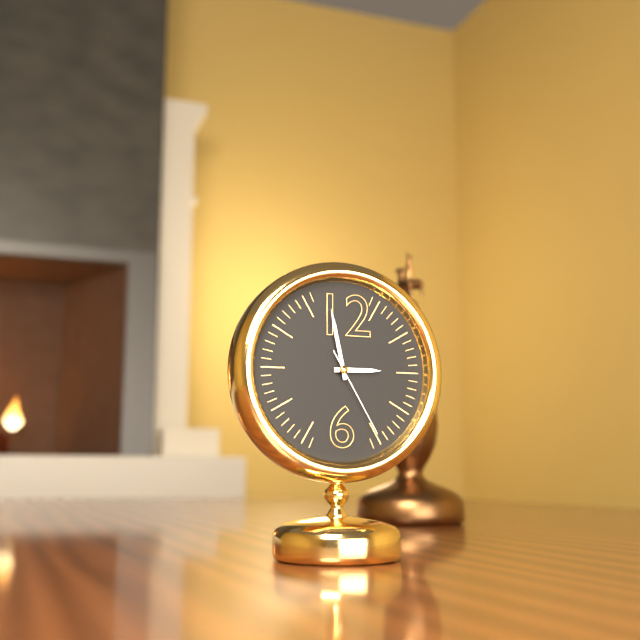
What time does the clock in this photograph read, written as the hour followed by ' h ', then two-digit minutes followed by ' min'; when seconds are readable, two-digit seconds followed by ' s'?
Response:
2 h 58 min 25 s
